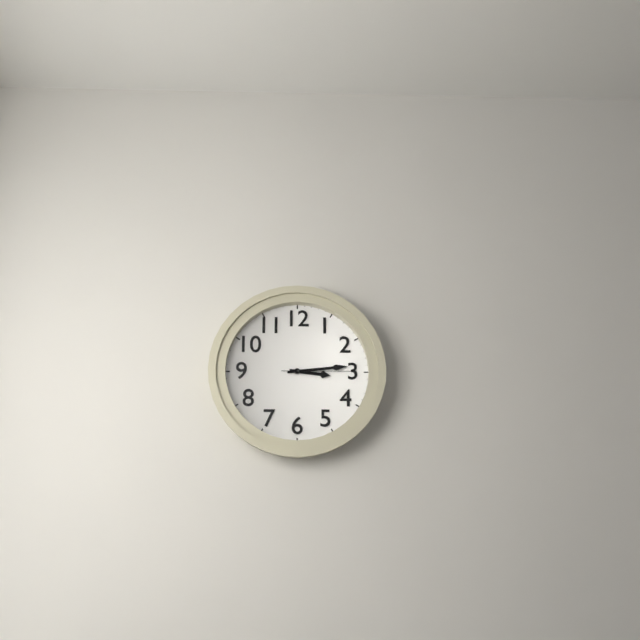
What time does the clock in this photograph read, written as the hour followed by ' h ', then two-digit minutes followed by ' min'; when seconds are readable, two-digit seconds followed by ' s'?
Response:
3 h 14 min 15 s
